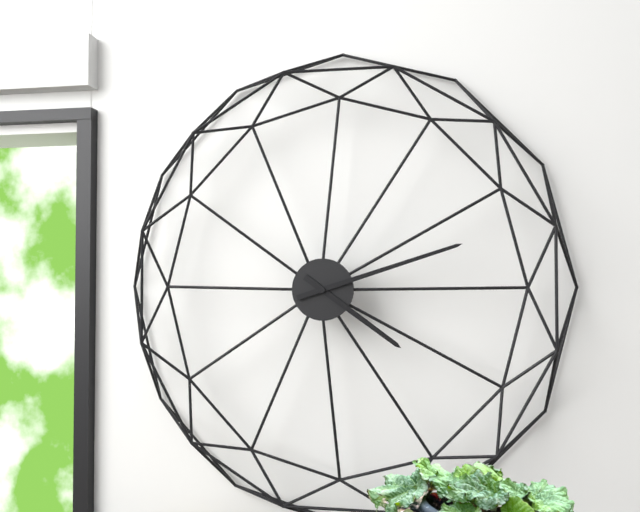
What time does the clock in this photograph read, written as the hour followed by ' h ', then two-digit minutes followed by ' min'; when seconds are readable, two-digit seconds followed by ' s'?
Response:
4 h 12 min
